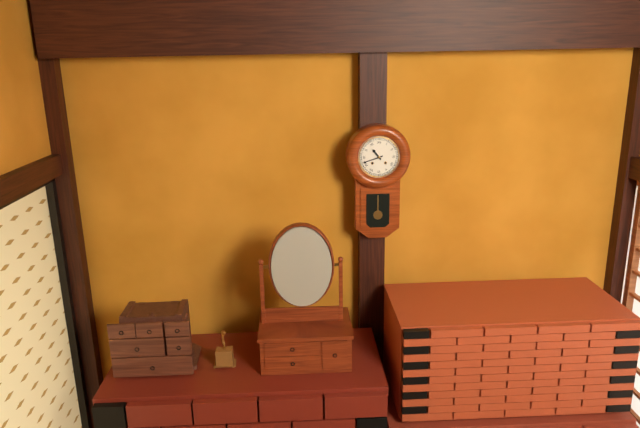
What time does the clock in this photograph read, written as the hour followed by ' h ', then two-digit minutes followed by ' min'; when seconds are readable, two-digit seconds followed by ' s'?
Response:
10 h 42 min
